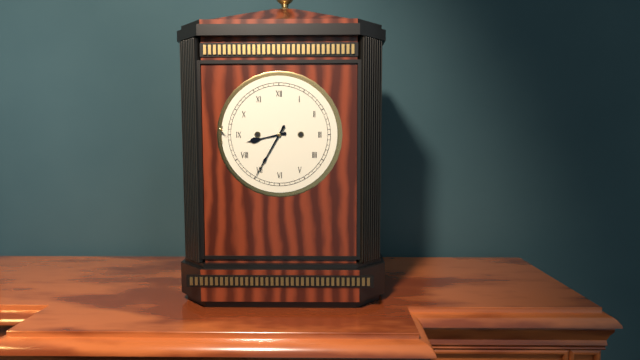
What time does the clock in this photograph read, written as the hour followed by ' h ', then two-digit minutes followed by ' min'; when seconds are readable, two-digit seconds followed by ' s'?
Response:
8 h 35 min
